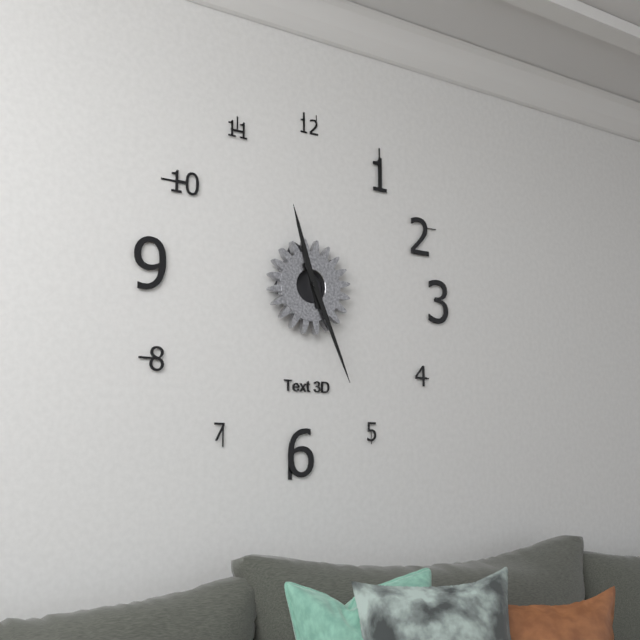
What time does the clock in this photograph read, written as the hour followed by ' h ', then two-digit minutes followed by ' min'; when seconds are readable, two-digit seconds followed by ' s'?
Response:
11 h 26 min
